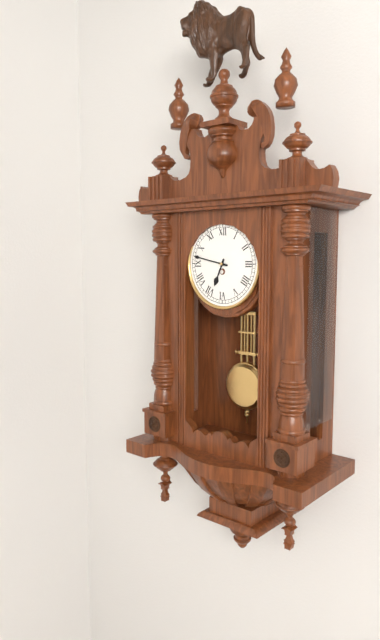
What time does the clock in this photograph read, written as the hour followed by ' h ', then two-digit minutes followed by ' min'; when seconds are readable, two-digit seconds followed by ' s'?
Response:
6 h 47 min
